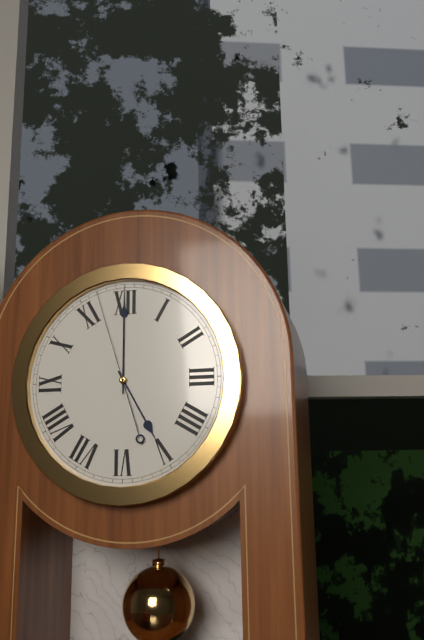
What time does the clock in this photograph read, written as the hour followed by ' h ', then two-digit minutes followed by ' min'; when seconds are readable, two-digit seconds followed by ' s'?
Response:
5 h 00 min 57 s
